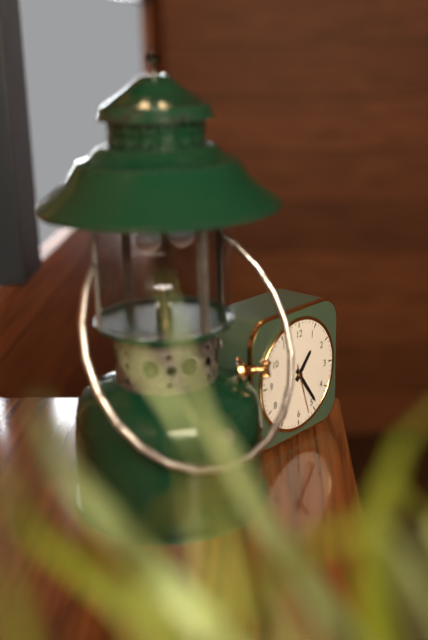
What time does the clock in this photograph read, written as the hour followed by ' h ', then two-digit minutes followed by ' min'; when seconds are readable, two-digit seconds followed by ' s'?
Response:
1 h 24 min 27 s
